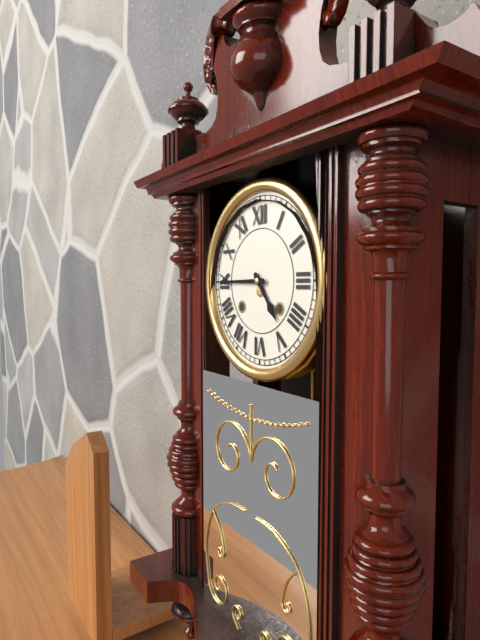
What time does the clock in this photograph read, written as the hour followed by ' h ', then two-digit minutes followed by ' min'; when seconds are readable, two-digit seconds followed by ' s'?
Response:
4 h 45 min
